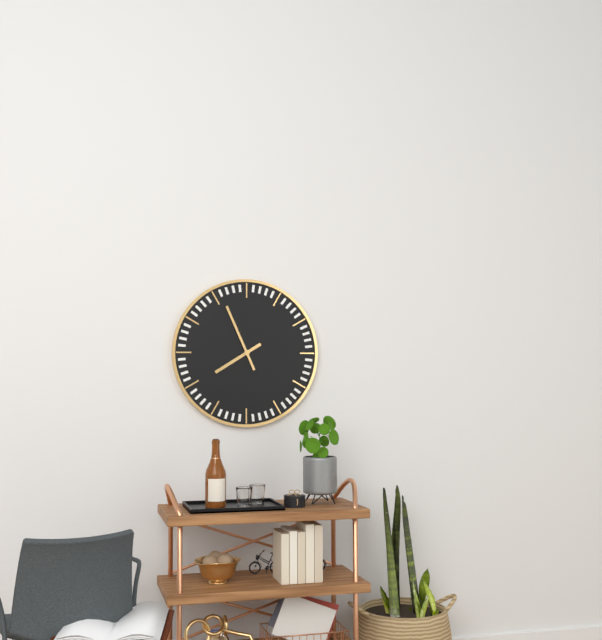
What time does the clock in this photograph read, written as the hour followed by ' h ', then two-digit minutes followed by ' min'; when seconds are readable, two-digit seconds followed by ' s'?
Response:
7 h 56 min
